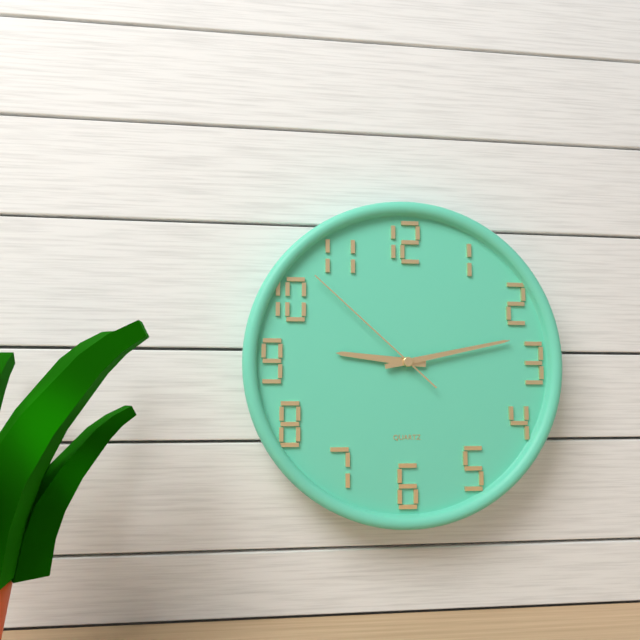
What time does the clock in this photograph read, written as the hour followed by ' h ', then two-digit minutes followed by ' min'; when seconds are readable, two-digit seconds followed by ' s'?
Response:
9 h 13 min 52 s
